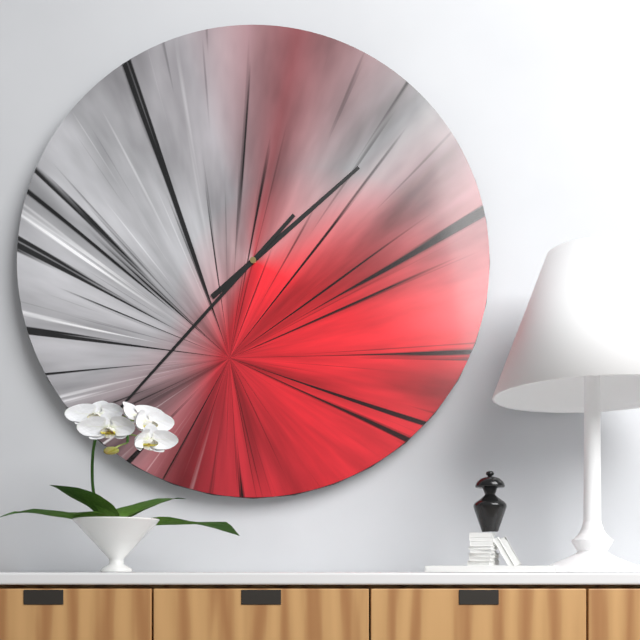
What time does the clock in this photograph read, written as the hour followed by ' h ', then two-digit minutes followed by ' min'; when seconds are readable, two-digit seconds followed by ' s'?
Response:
1 h 37 min
